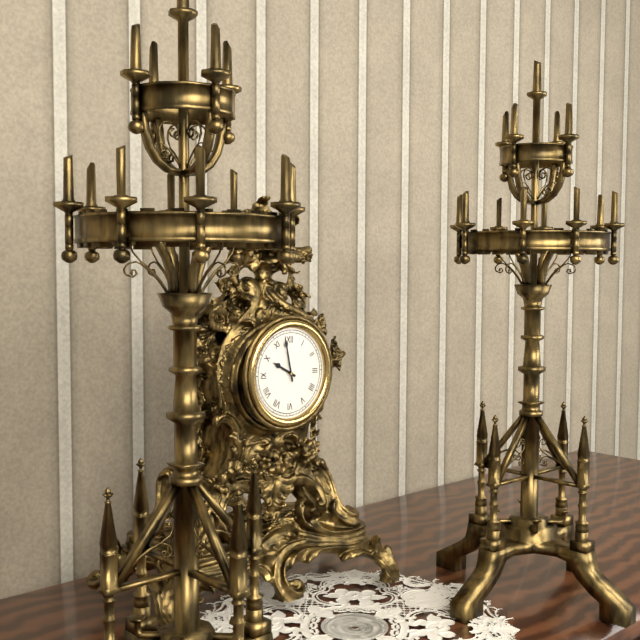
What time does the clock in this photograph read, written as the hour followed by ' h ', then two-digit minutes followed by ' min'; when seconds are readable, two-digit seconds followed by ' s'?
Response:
9 h 58 min
